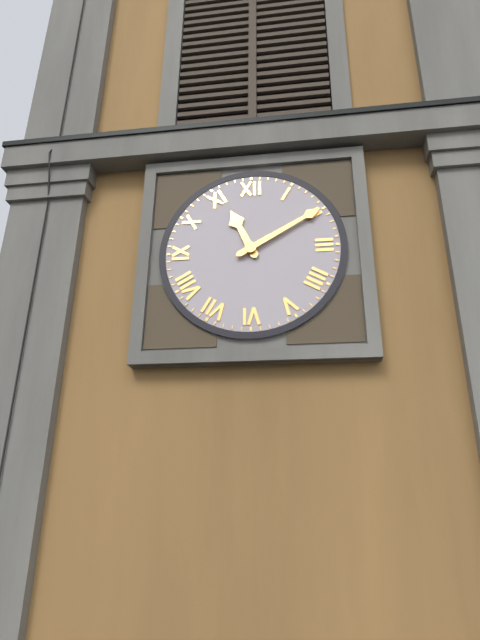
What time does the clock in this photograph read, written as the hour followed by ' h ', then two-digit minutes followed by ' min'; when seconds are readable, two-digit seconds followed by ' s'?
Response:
11 h 10 min
